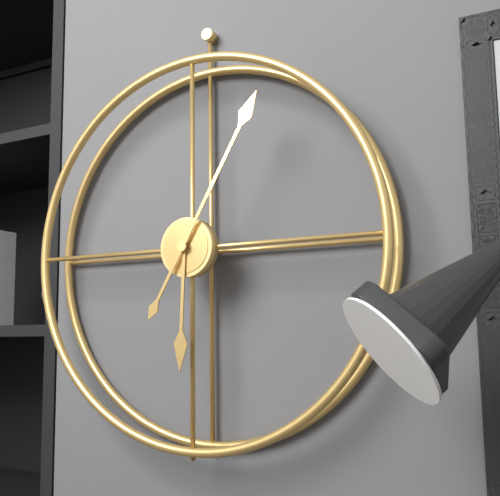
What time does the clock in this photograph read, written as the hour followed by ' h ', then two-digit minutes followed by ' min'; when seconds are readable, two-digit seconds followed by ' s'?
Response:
6 h 05 min
